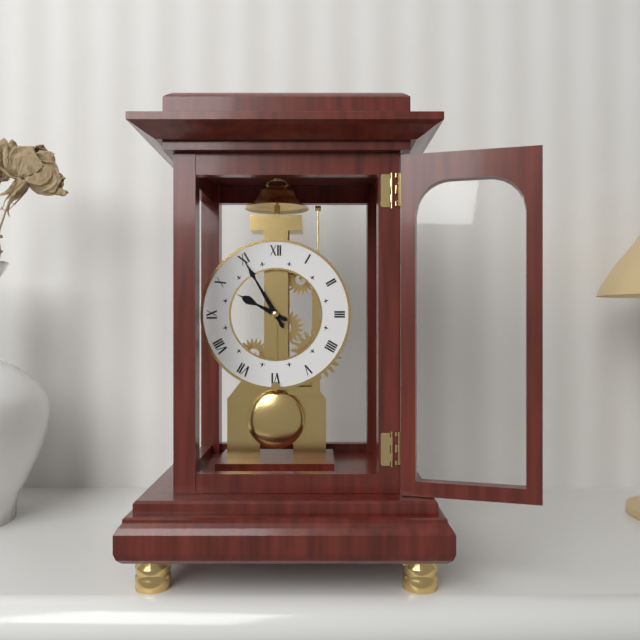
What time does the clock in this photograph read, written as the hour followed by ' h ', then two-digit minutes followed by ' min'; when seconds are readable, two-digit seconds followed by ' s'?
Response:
9 h 55 min
